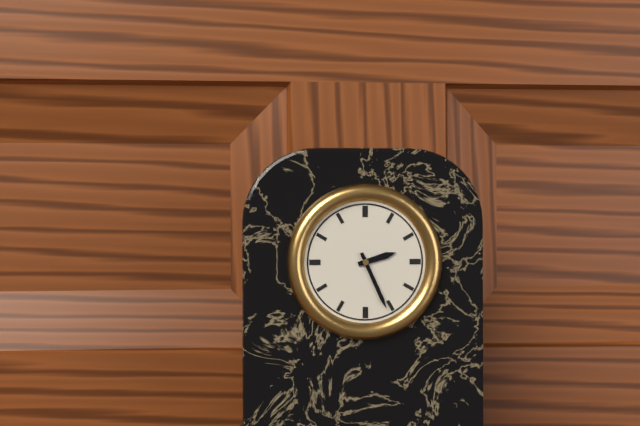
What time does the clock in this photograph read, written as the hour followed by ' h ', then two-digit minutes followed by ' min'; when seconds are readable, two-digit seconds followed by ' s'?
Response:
2 h 26 min
